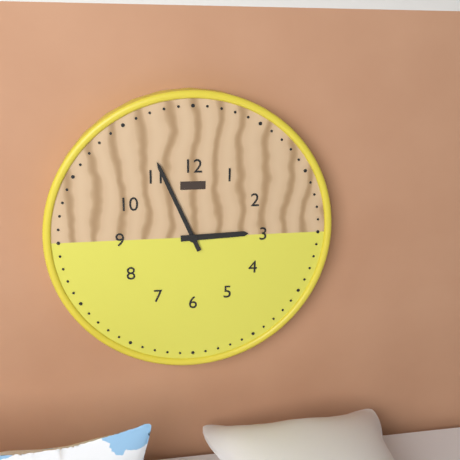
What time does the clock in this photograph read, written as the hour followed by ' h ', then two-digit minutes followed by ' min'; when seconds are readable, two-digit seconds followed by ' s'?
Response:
2 h 56 min
